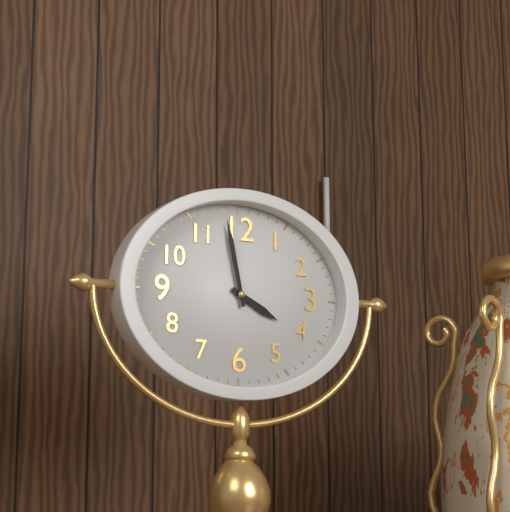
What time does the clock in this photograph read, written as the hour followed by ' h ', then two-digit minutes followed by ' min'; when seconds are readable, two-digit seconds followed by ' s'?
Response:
3 h 58 min
